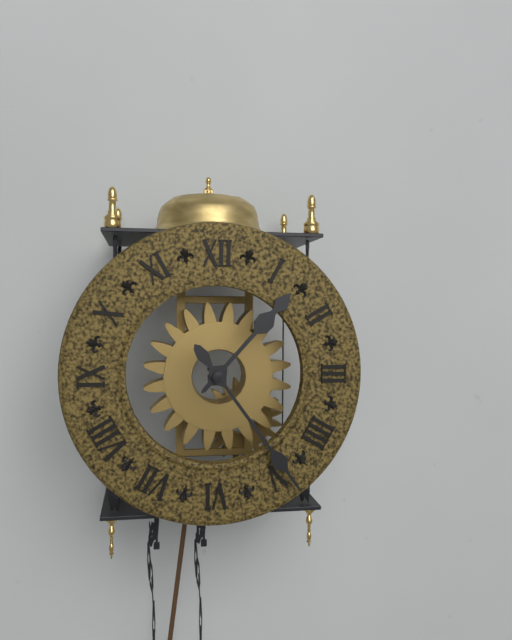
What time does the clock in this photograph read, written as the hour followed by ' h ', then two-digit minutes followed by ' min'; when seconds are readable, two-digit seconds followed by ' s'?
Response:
1 h 24 min
